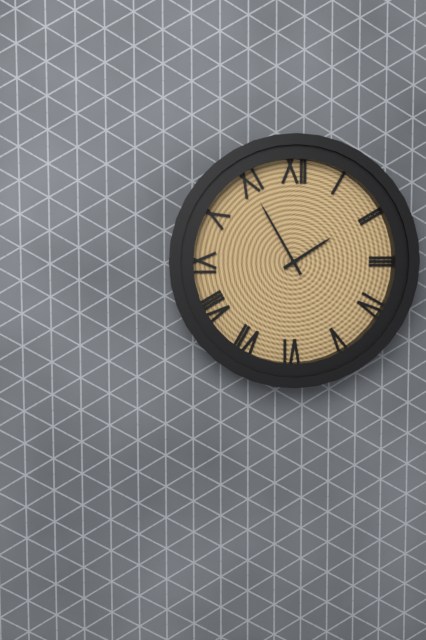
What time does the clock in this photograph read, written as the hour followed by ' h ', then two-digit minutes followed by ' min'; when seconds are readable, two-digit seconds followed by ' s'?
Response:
1 h 55 min
